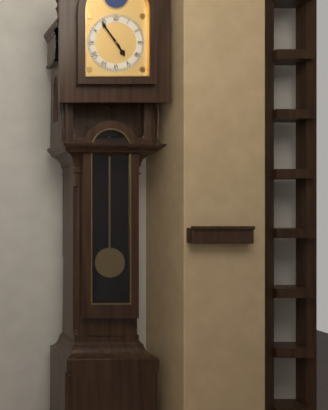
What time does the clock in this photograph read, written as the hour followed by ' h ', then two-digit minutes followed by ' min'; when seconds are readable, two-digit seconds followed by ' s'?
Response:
4 h 54 min
